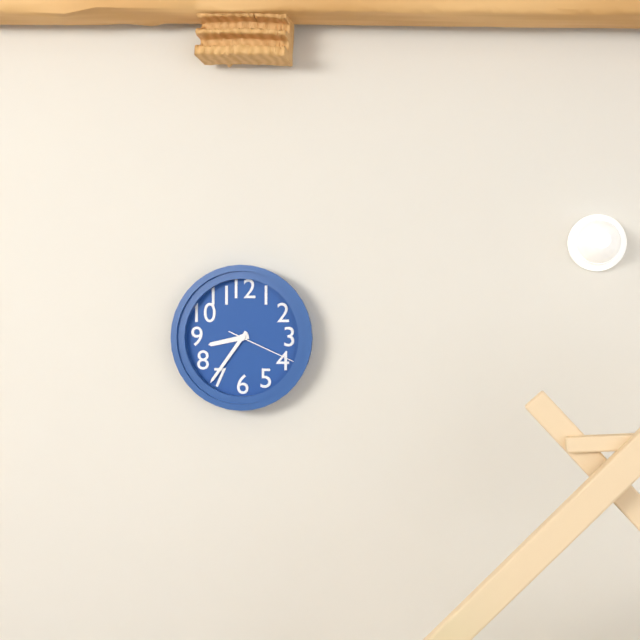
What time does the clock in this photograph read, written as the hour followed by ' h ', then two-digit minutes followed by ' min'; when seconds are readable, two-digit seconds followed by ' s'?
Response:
8 h 36 min 19 s
